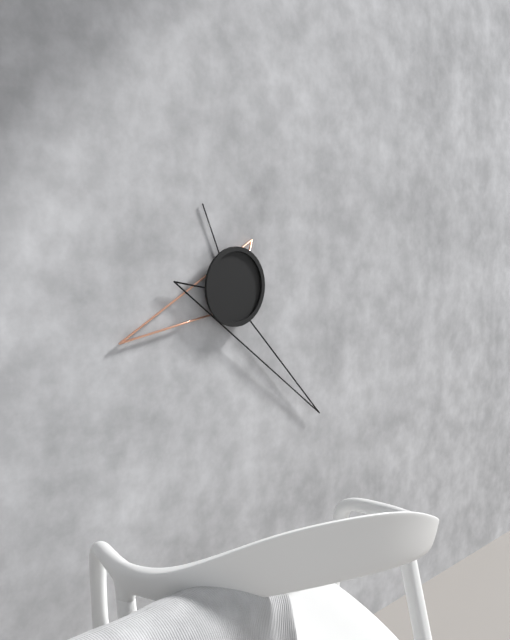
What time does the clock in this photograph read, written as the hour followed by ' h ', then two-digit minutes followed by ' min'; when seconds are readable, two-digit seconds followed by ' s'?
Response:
8 h 23 min 56 s
